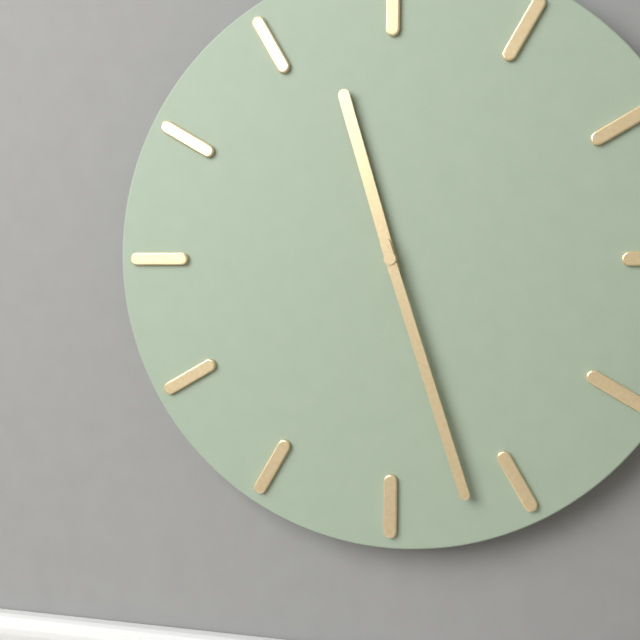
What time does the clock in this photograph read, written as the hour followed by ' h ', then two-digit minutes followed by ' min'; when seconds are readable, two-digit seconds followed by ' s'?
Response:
11 h 27 min
